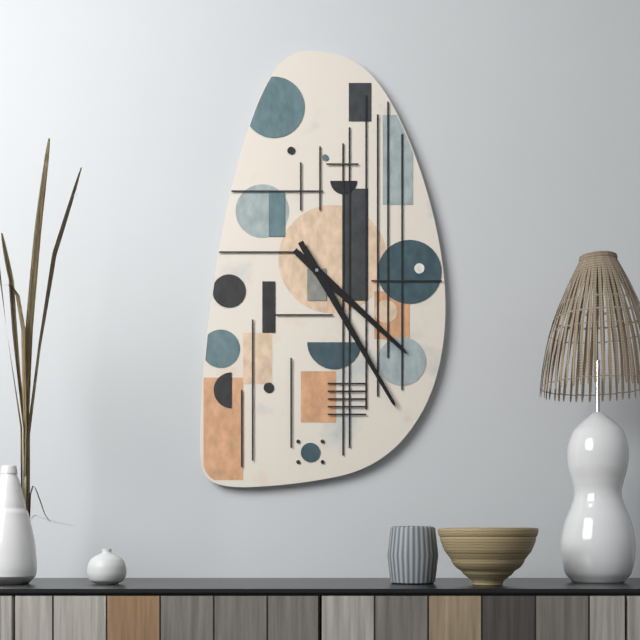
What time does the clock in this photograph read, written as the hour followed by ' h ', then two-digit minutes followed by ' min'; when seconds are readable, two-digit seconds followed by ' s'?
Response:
4 h 25 min
